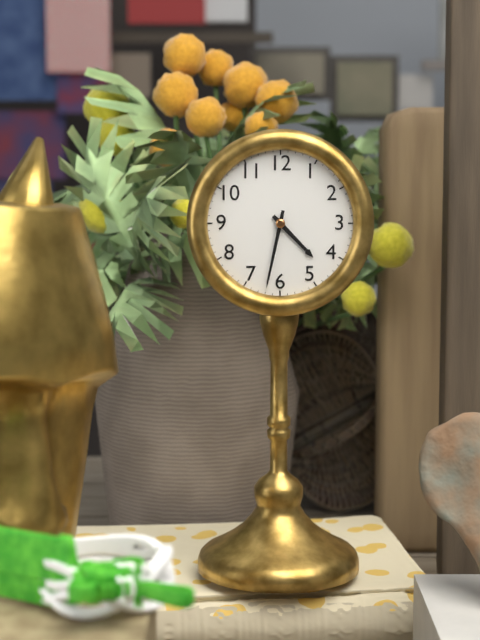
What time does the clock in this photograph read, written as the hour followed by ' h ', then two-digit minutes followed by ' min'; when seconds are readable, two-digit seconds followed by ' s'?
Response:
4 h 32 min
